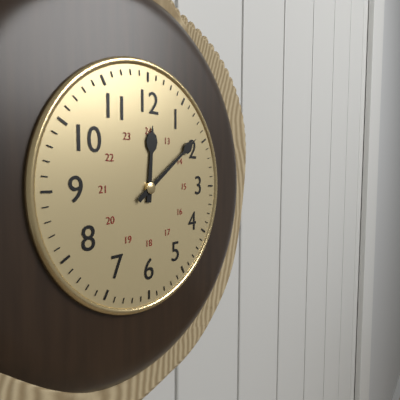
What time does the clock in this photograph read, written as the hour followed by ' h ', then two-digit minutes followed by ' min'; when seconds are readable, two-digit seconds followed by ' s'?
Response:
12 h 09 min
